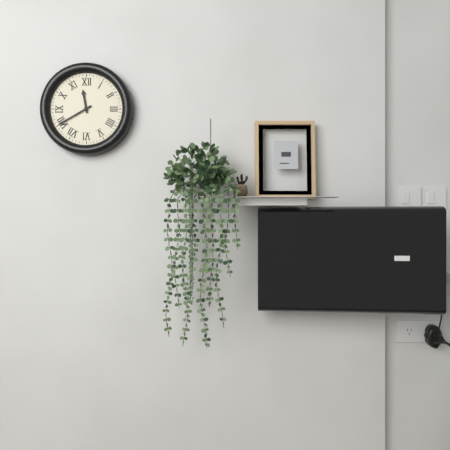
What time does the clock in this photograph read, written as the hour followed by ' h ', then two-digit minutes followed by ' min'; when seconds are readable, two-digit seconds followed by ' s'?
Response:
11 h 40 min
